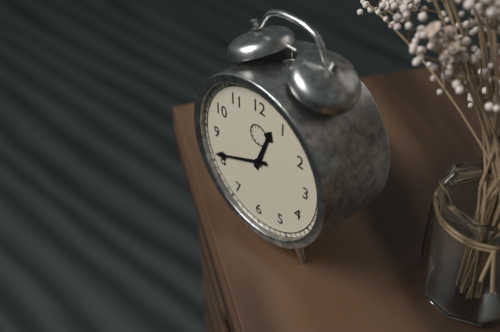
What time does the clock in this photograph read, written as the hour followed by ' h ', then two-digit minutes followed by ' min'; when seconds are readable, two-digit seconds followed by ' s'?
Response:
12 h 41 min
